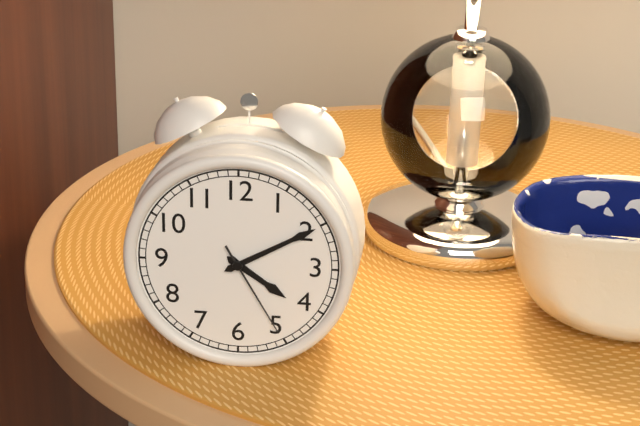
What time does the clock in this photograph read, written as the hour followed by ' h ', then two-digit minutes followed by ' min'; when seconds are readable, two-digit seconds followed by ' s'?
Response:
4 h 10 min 25 s
